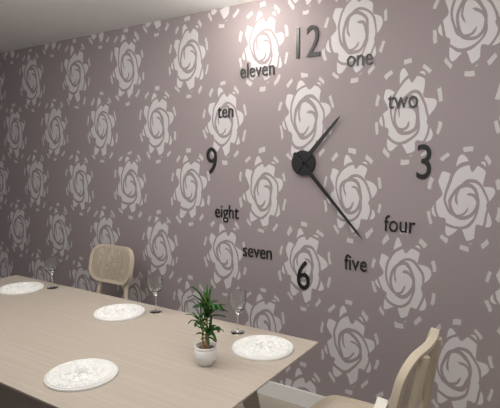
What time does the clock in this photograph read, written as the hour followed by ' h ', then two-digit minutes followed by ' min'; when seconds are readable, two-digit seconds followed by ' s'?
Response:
1 h 23 min
